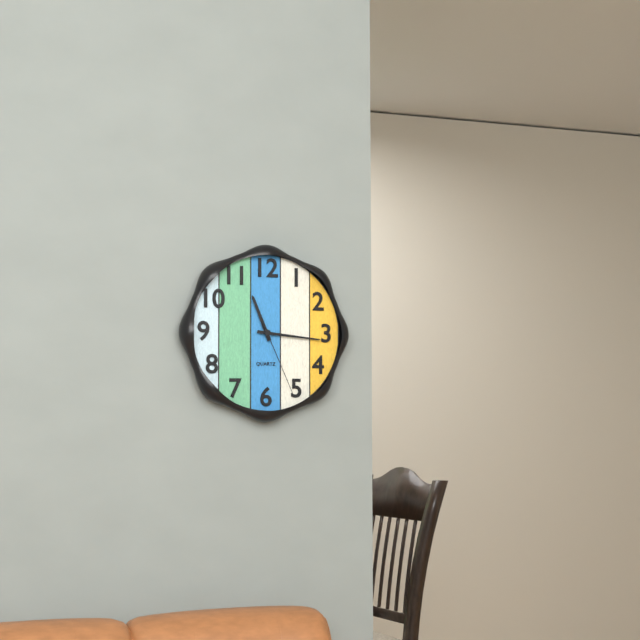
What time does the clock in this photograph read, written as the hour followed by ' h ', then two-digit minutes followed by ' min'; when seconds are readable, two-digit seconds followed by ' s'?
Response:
11 h 16 min 26 s
